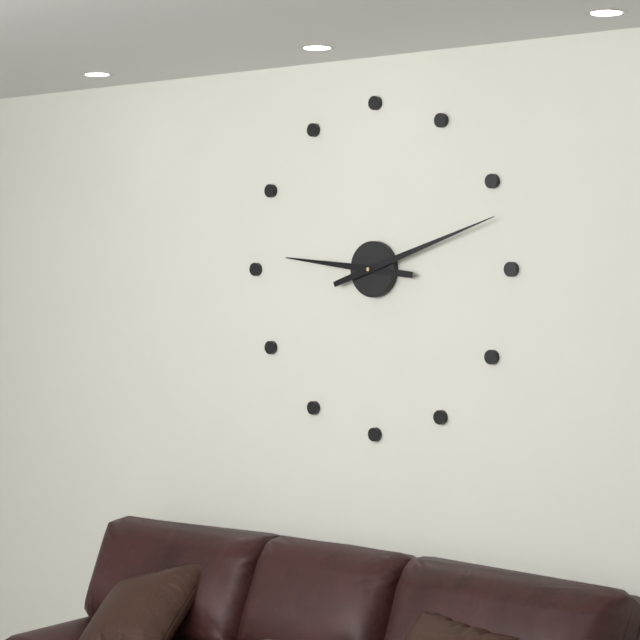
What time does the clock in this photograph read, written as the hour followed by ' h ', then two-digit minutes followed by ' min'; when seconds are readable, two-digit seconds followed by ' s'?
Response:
9 h 12 min
